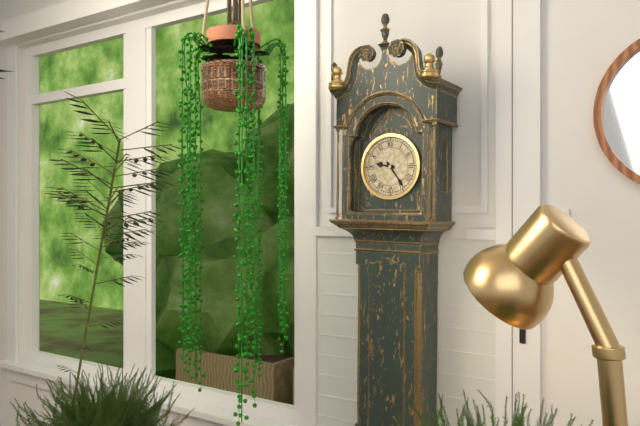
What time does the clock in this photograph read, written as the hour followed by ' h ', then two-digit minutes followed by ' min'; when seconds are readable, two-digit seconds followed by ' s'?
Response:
9 h 24 min
